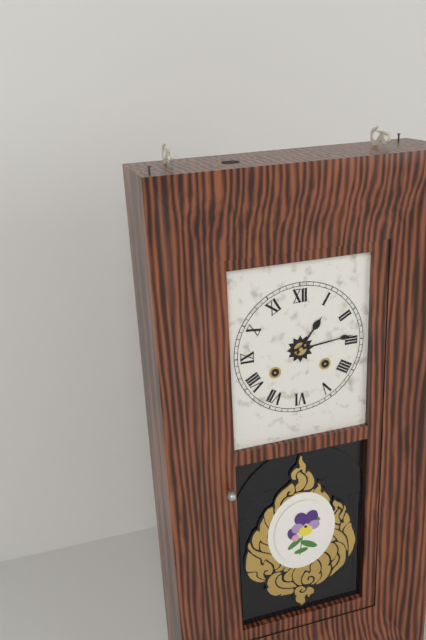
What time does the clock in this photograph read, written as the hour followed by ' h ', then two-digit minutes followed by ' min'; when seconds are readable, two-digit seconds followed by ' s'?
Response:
1 h 14 min
